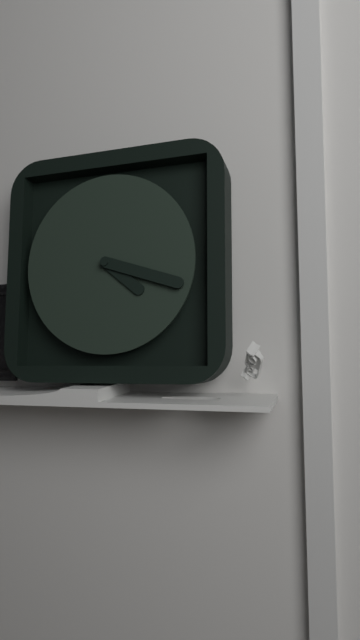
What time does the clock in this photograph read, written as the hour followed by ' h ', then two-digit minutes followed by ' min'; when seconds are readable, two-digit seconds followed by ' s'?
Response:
4 h 18 min
